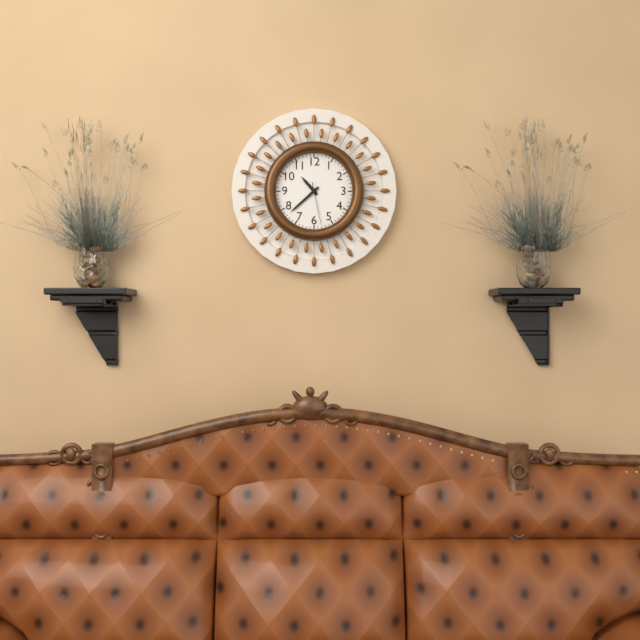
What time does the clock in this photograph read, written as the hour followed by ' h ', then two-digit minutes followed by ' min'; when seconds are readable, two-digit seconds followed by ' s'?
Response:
10 h 38 min
